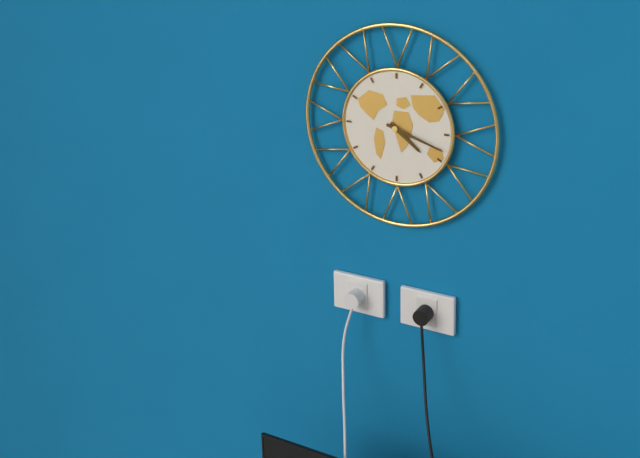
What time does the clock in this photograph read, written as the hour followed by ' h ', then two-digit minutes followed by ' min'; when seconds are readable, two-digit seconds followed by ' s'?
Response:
4 h 18 min
